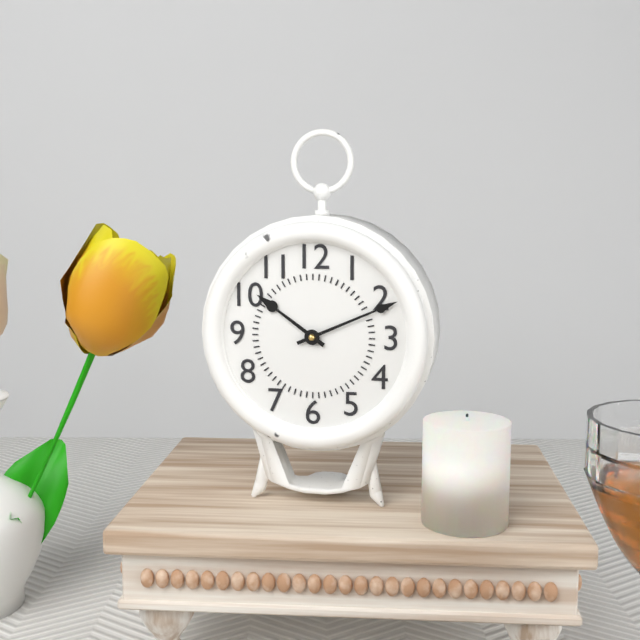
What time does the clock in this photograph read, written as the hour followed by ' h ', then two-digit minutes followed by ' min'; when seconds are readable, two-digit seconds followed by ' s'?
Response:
10 h 11 min
